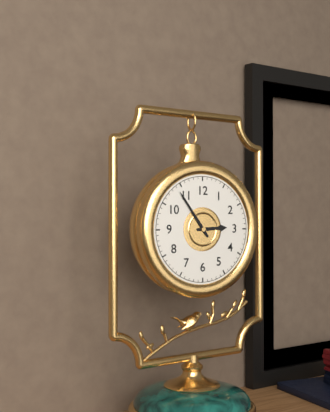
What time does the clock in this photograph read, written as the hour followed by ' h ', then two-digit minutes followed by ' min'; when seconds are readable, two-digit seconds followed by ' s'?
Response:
2 h 54 min
